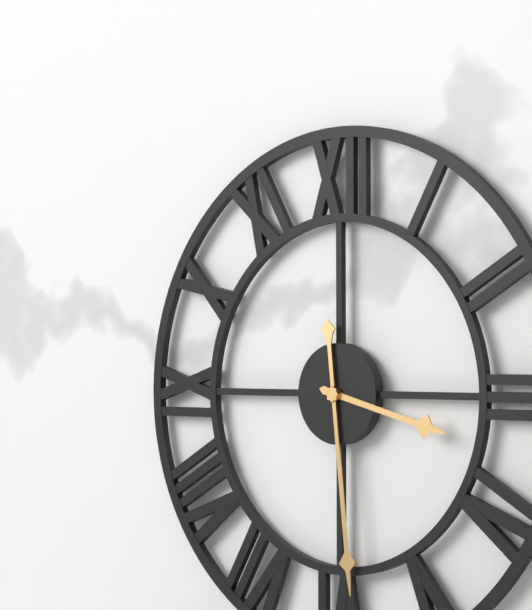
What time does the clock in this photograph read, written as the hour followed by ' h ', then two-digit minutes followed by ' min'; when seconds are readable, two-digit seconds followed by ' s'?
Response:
3 h 29 min
